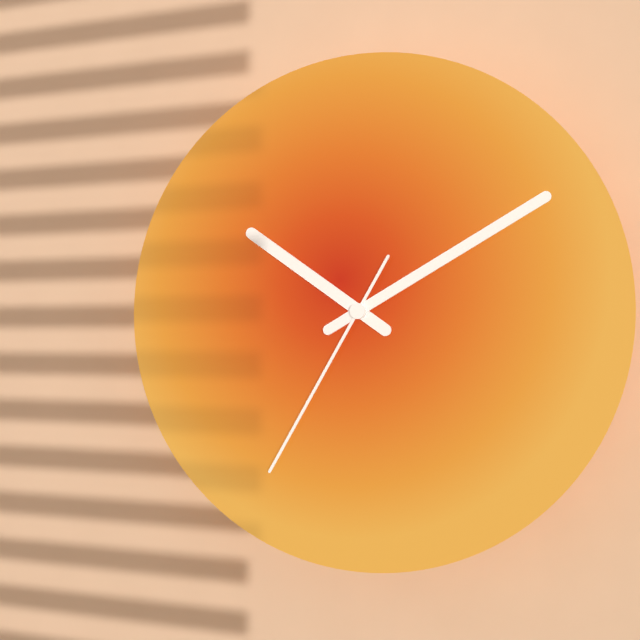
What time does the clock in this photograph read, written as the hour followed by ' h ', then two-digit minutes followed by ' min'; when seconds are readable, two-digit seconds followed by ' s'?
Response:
10 h 10 min 35 s
